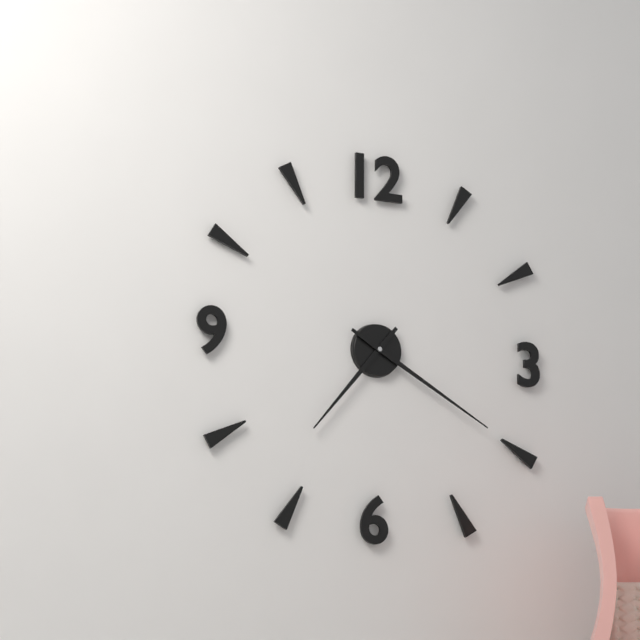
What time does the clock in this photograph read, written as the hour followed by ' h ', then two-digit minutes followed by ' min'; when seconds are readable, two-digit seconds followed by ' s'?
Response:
7 h 20 min
